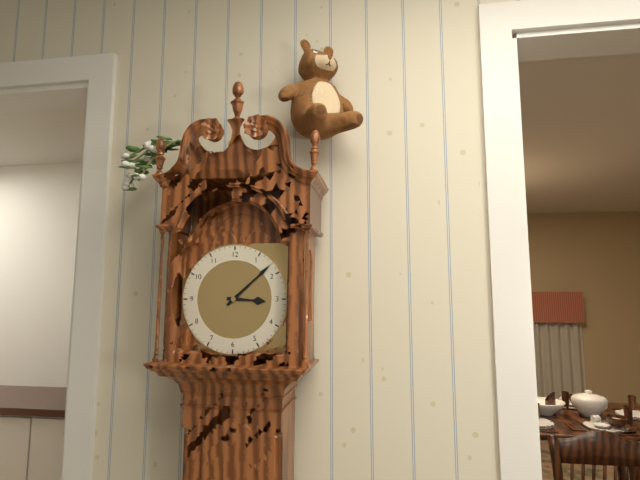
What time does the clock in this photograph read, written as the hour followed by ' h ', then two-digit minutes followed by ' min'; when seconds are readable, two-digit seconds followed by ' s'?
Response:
3 h 08 min
